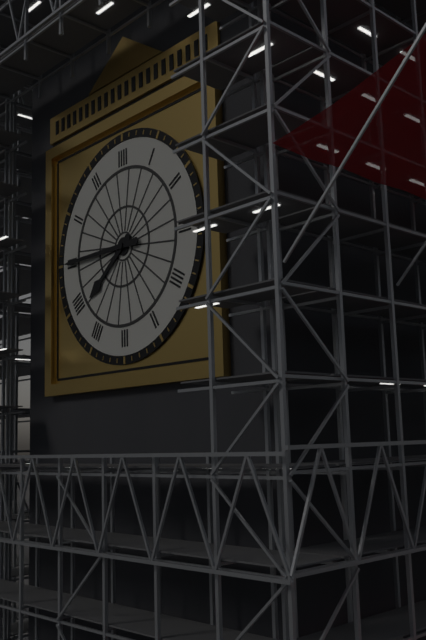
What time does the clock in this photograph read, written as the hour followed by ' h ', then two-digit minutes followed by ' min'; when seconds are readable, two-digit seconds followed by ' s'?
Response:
7 h 45 min
